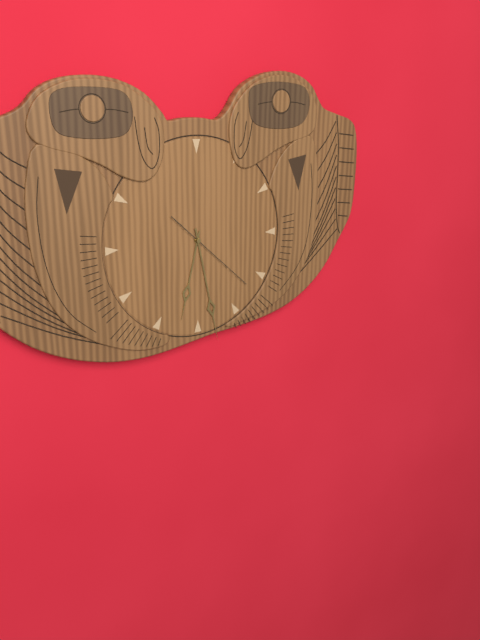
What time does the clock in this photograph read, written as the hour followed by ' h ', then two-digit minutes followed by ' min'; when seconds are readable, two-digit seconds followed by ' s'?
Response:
6 h 28 min 22 s
